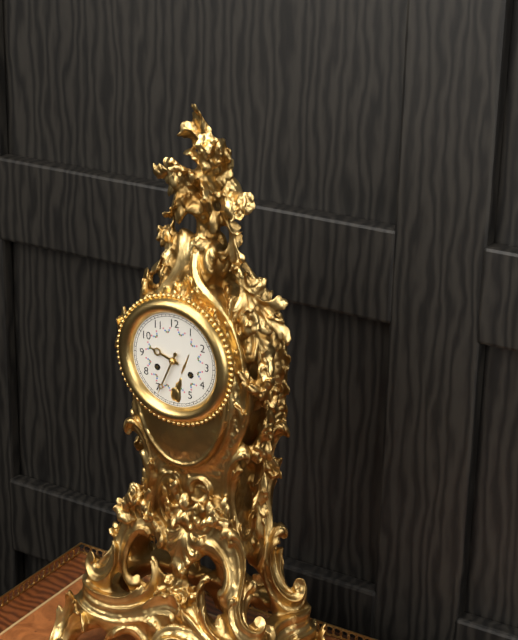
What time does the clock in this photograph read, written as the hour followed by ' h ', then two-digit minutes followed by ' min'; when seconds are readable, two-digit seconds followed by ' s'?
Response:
9 h 34 min
